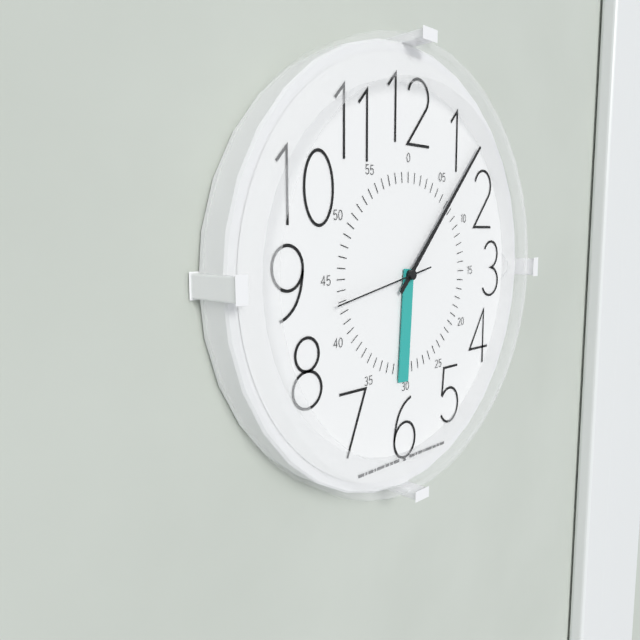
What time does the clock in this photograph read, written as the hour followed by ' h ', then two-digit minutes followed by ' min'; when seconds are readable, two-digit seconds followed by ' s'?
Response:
6 h 07 min 43 s
